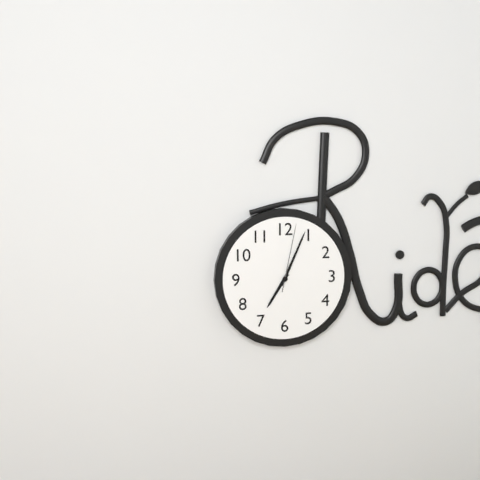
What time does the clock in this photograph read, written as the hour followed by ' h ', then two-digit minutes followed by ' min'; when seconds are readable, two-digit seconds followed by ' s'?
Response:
7 h 04 min 02 s
